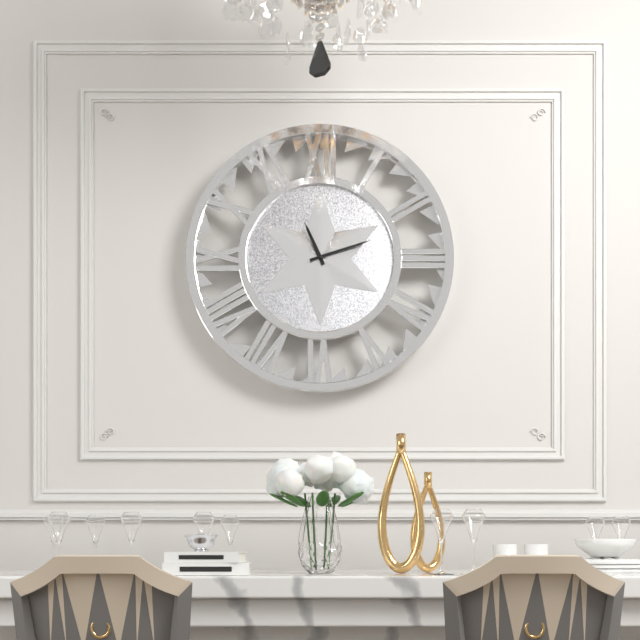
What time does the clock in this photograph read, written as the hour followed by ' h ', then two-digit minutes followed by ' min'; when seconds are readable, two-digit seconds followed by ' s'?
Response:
11 h 12 min
